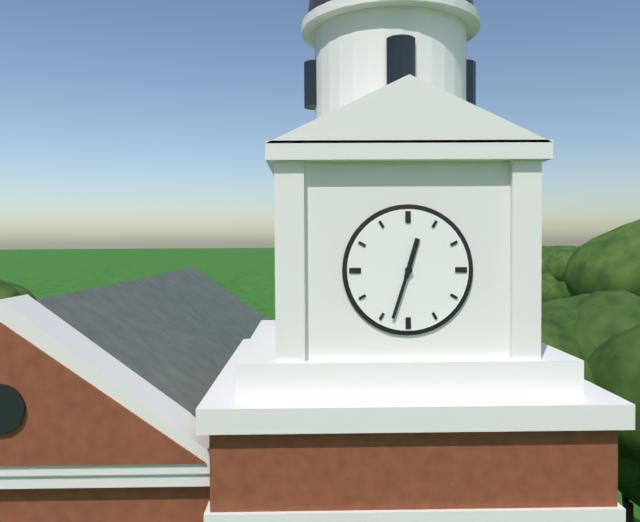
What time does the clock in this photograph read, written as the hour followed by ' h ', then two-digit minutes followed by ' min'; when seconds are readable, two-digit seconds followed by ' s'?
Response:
12 h 33 min
